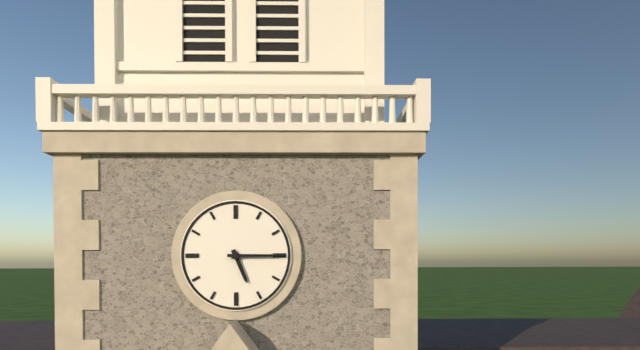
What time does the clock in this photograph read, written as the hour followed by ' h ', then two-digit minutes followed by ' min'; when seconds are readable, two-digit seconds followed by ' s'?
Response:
5 h 15 min
